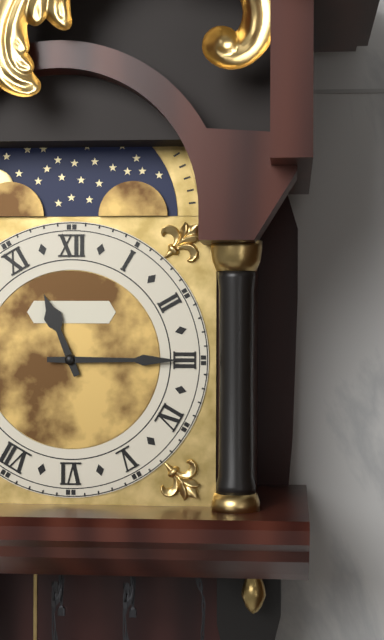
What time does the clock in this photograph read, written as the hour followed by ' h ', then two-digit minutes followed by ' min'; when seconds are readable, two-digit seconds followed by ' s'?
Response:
11 h 15 min
